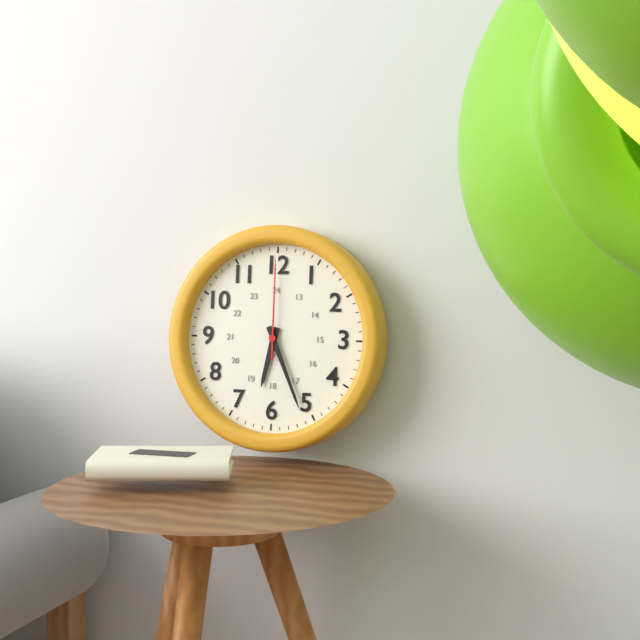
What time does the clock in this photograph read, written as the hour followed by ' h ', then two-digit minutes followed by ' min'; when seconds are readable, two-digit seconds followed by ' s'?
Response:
6 h 26 min 00 s
